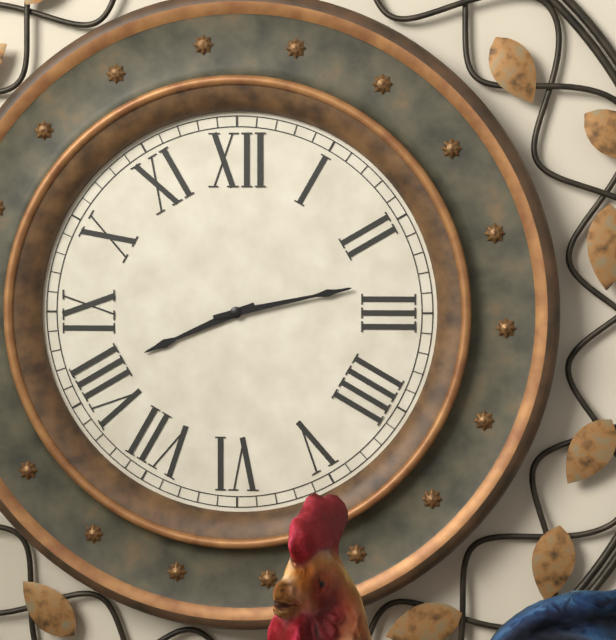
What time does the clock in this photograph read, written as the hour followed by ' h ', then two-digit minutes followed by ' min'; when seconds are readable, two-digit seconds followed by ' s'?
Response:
8 h 13 min
